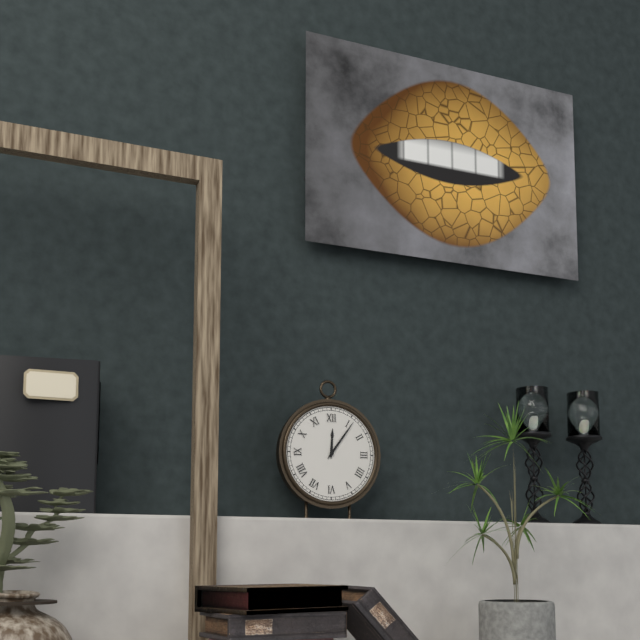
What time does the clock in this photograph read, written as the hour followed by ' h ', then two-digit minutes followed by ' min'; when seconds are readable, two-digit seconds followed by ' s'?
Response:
12 h 06 min
